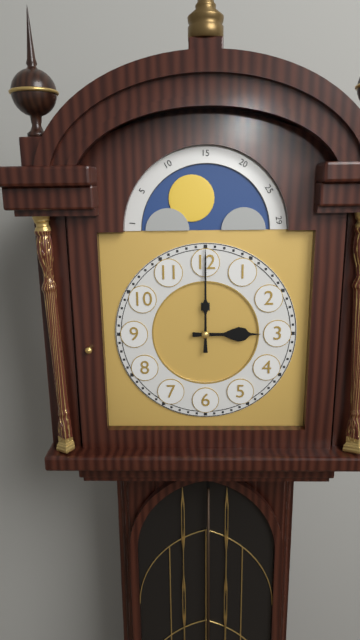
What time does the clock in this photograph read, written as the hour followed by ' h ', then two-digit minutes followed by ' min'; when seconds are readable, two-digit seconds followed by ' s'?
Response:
3 h 00 min
